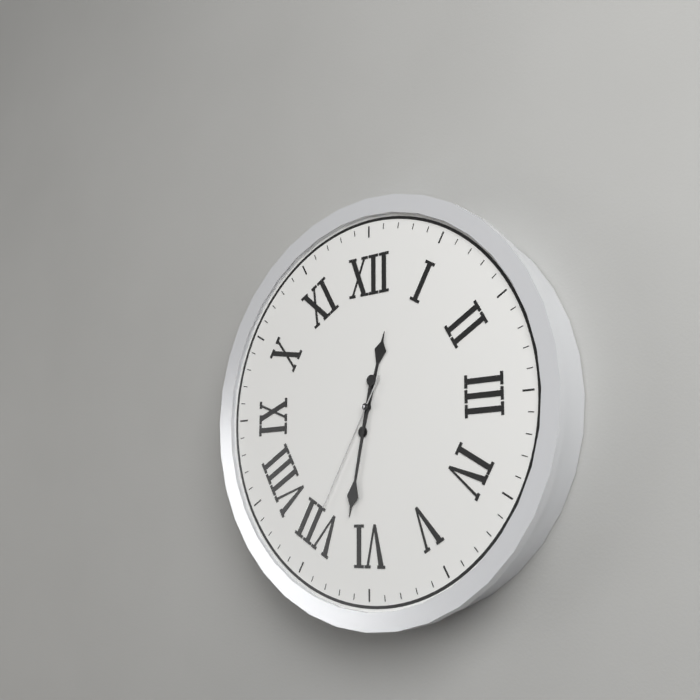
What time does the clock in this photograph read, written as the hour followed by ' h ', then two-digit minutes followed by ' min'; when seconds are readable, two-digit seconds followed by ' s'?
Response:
12 h 32 min 35 s
